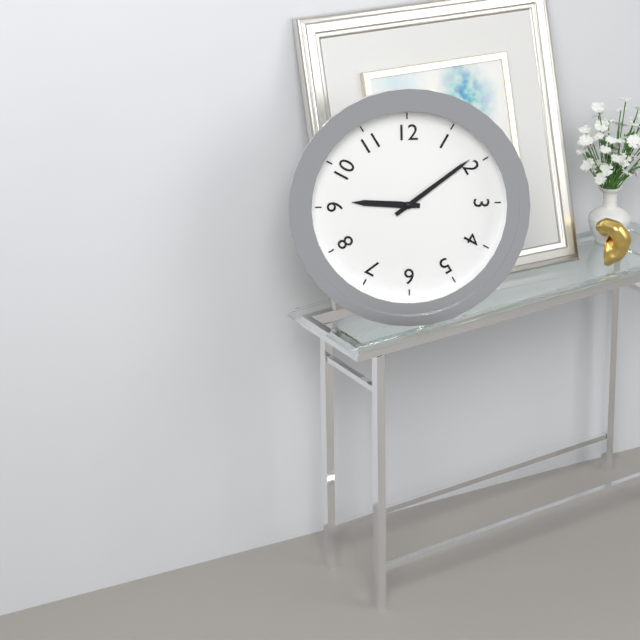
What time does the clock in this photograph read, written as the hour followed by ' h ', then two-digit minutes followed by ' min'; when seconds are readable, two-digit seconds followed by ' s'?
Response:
9 h 09 min
